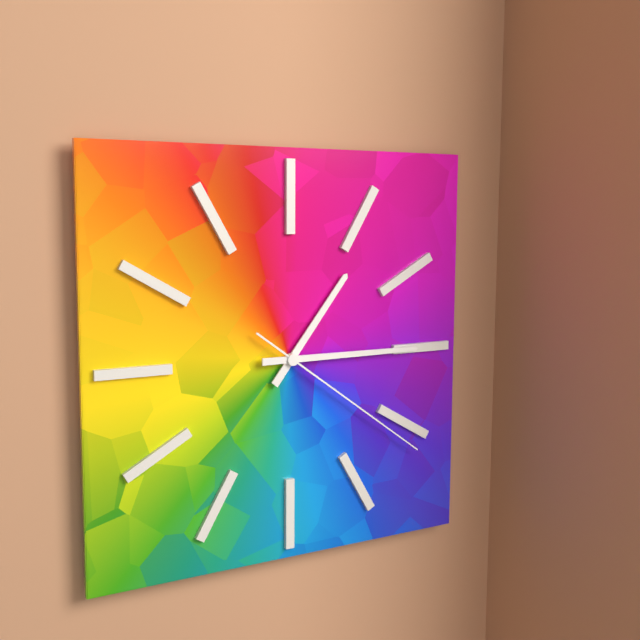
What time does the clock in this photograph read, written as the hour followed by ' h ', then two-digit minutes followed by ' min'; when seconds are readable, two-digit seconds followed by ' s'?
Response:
1 h 15 min 21 s
